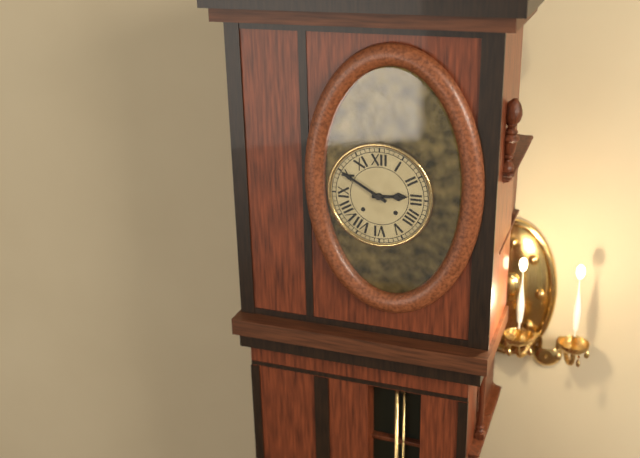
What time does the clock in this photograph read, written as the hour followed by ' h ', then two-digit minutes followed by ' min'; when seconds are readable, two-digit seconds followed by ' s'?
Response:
2 h 50 min
